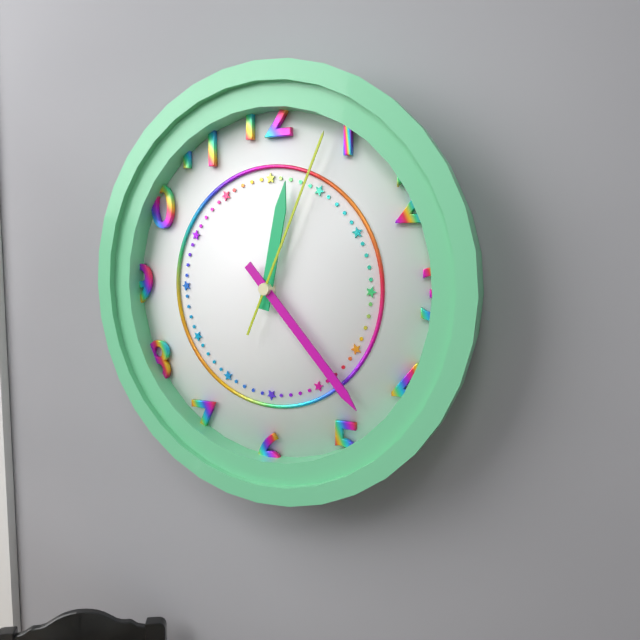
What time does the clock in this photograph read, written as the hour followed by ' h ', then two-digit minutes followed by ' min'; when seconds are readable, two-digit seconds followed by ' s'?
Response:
12 h 23 min 04 s
